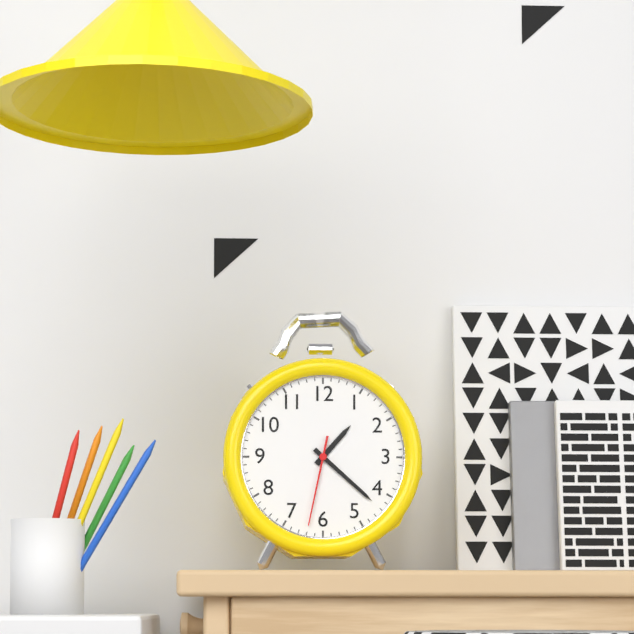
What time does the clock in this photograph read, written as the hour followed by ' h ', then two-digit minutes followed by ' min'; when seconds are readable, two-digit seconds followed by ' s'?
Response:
1 h 22 min 32 s
